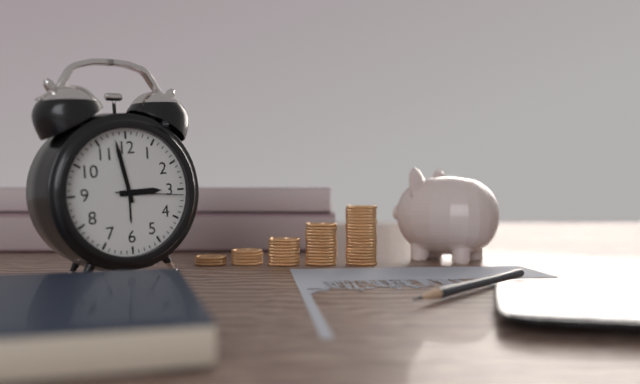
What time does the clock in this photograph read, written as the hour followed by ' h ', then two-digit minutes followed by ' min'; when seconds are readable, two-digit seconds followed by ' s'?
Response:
2 h 58 min 16 s
